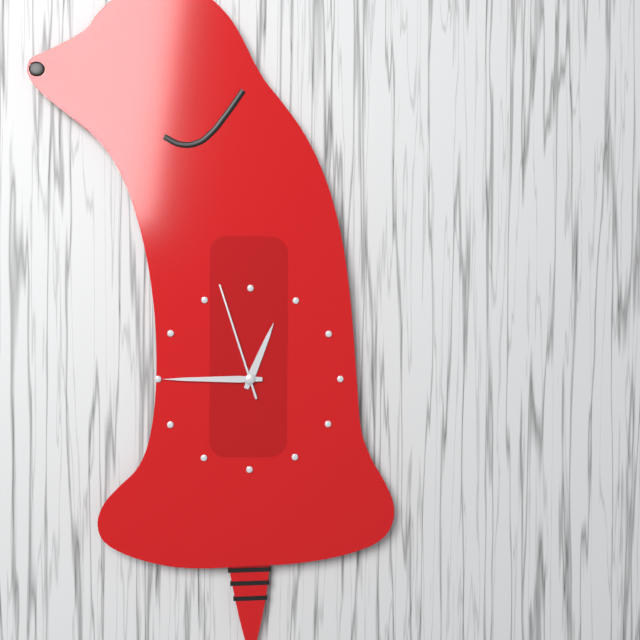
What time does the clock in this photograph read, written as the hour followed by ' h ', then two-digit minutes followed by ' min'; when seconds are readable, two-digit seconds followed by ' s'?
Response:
12 h 45 min 57 s
